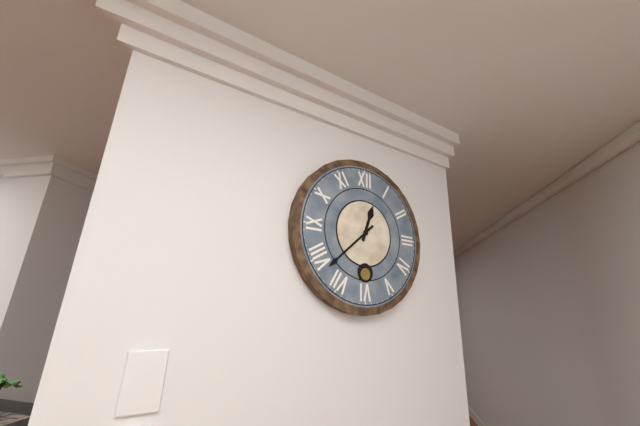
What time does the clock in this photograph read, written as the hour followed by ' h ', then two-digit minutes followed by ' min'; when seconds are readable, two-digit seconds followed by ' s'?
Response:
12 h 38 min
